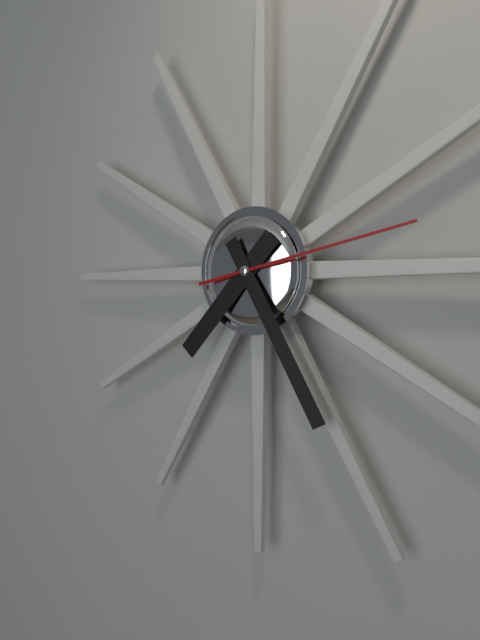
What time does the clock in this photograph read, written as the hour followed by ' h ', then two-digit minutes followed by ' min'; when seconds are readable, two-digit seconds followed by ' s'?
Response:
7 h 25 min 13 s
